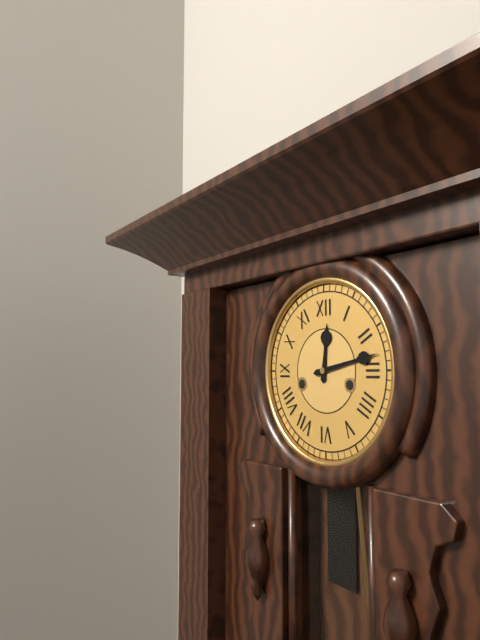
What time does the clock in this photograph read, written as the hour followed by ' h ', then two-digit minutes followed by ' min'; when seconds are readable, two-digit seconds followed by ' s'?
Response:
12 h 13 min
